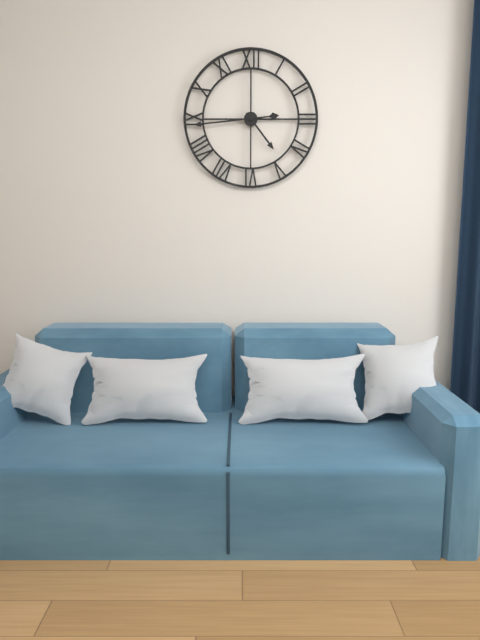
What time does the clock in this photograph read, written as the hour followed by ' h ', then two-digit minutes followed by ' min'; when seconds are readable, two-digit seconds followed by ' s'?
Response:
4 h 44 min
